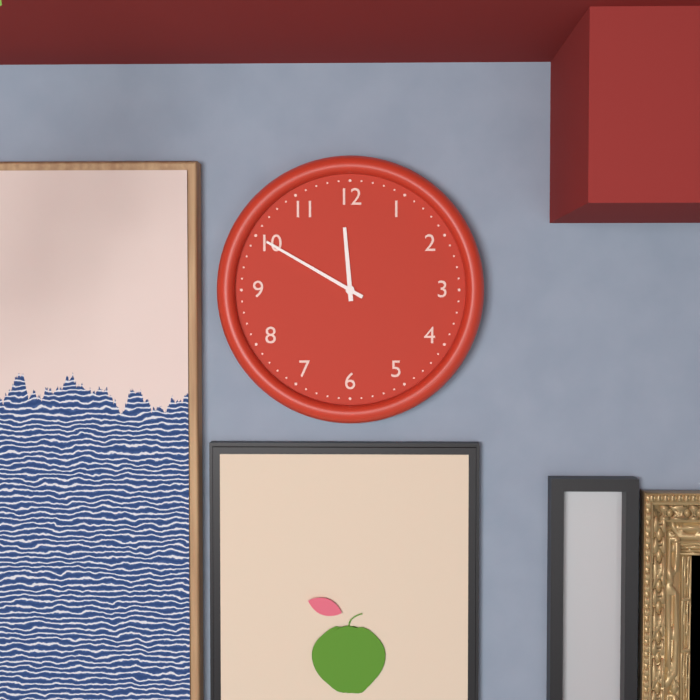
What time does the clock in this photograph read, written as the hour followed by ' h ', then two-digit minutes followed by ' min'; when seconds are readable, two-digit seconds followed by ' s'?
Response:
11 h 50 min
